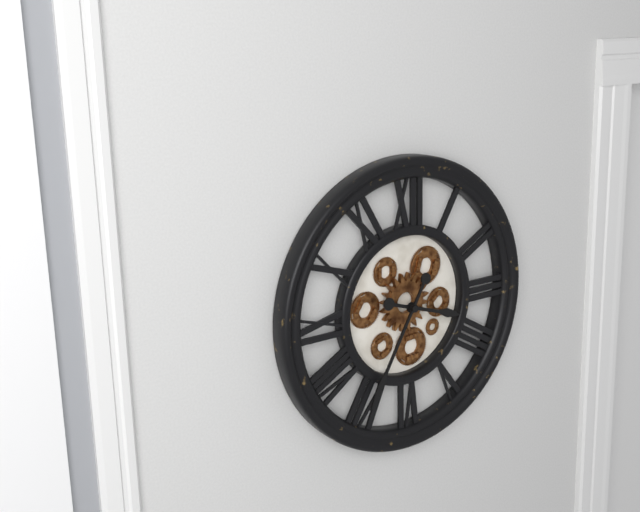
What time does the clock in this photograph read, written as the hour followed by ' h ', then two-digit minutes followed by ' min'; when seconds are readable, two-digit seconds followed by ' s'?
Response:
3 h 35 min
